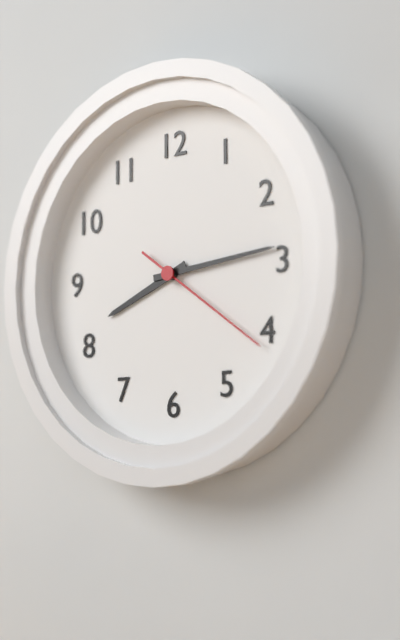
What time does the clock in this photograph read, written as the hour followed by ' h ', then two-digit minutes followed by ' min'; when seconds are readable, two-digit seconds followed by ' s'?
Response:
8 h 14 min 21 s
